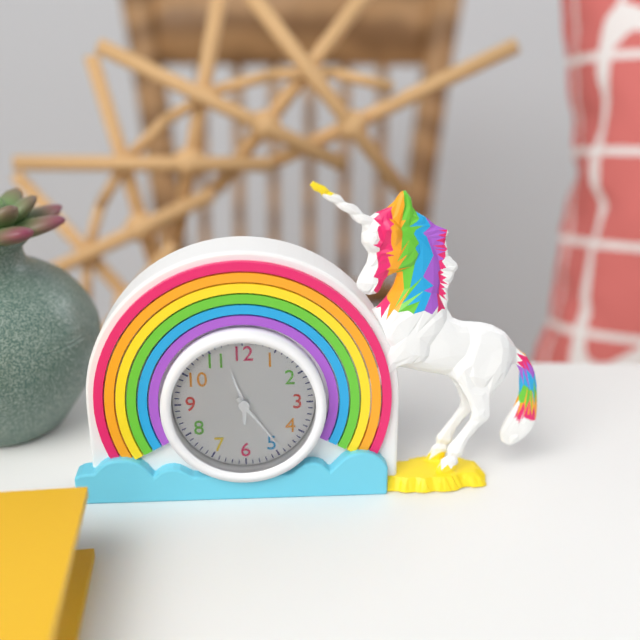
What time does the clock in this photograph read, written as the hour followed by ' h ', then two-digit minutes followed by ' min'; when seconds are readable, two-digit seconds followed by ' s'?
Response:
11 h 24 min
